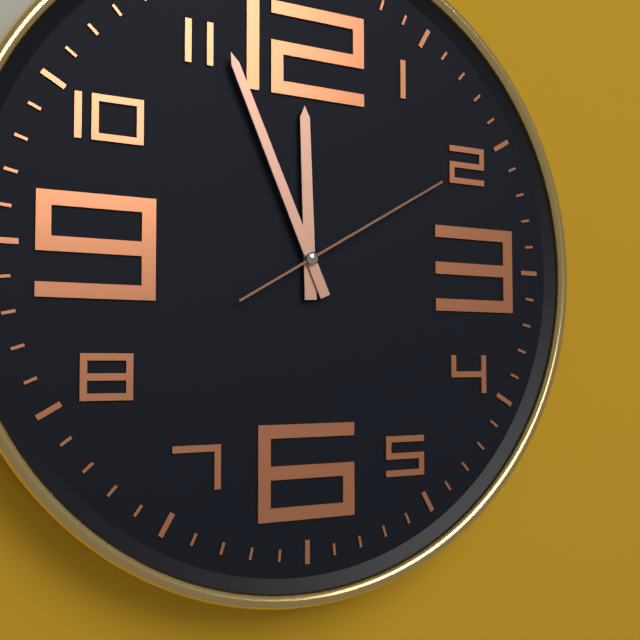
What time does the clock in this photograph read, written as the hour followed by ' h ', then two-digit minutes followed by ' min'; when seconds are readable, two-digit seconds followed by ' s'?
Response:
11 h 56 min 10 s
